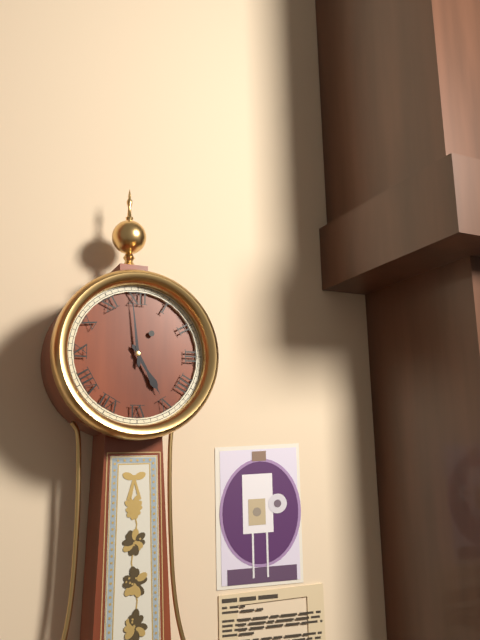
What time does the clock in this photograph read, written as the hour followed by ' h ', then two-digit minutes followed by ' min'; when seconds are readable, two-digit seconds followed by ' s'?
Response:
4 h 59 min
